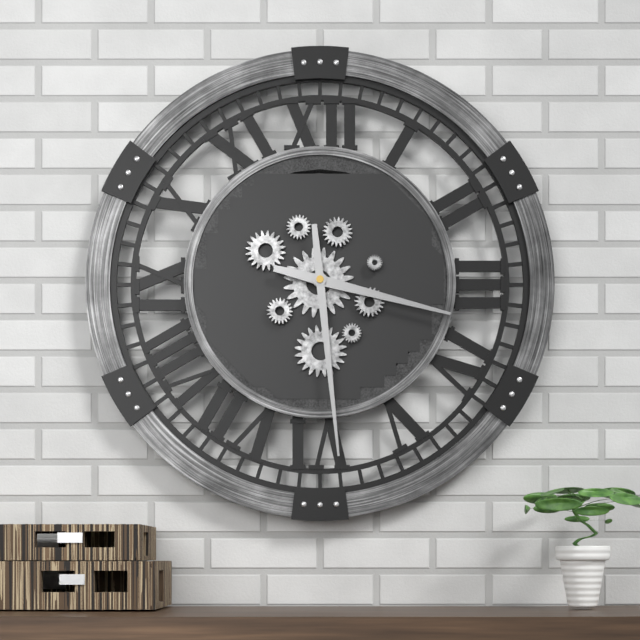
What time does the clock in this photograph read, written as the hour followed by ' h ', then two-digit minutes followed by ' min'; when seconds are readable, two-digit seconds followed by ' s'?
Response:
3 h 29 min
